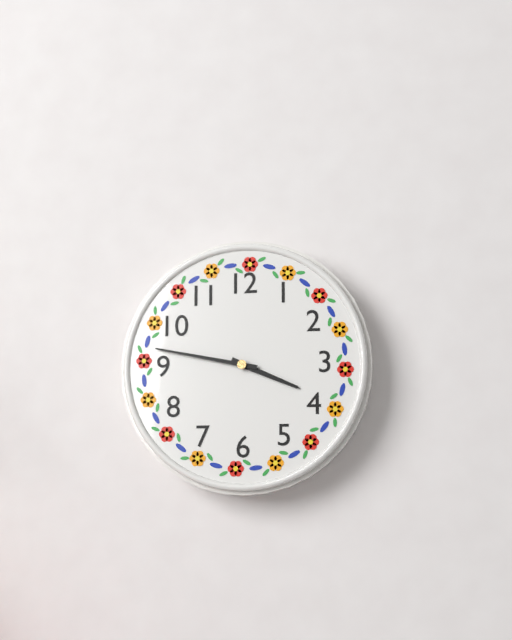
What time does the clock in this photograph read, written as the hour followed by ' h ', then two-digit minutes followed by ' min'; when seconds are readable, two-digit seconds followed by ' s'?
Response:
3 h 47 min
